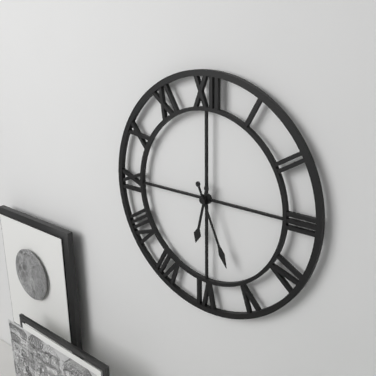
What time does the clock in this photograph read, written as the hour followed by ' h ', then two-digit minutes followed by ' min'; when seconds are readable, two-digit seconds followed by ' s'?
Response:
6 h 26 min
